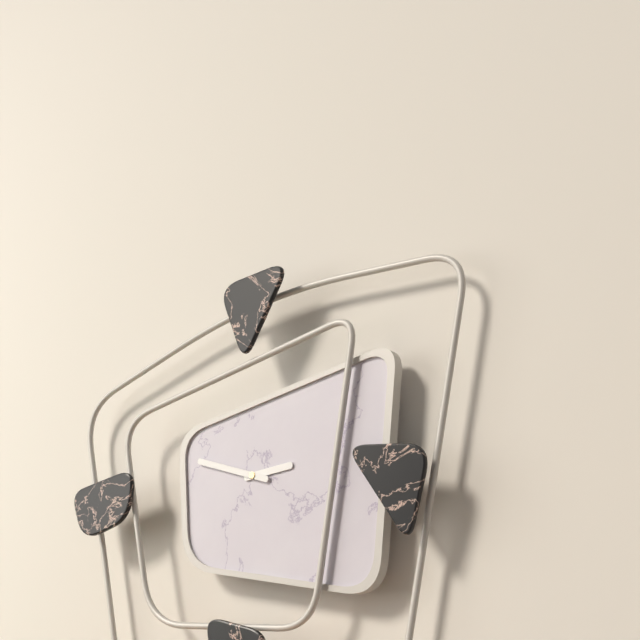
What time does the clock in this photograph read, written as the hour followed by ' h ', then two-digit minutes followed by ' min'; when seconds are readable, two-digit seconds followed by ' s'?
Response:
2 h 48 min
